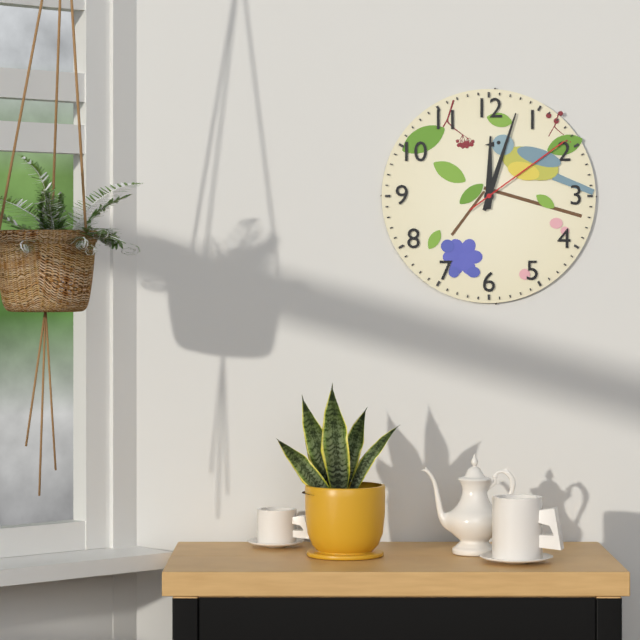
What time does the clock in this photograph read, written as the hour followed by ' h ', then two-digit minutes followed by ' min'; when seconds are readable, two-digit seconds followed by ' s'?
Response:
12 h 03 min 09 s
